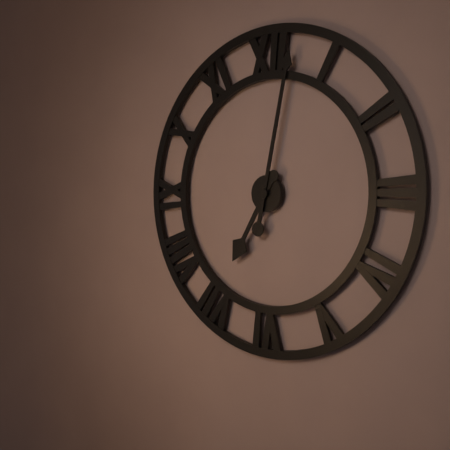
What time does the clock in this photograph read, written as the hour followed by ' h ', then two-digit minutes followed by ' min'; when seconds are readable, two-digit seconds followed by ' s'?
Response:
7 h 02 min
